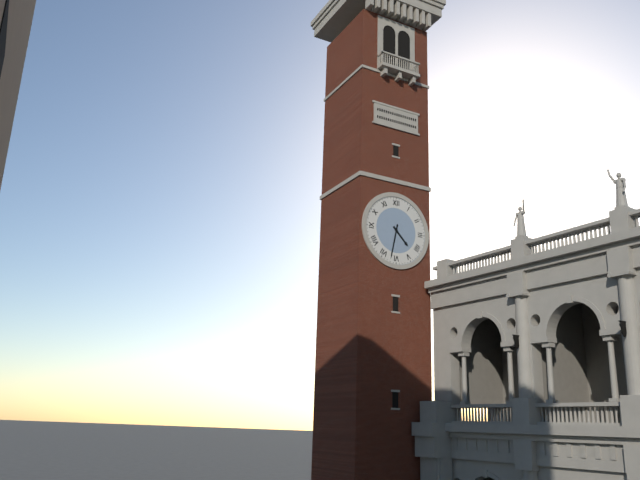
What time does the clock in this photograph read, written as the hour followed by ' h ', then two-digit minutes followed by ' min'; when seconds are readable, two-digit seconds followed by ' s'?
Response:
4 h 32 min
